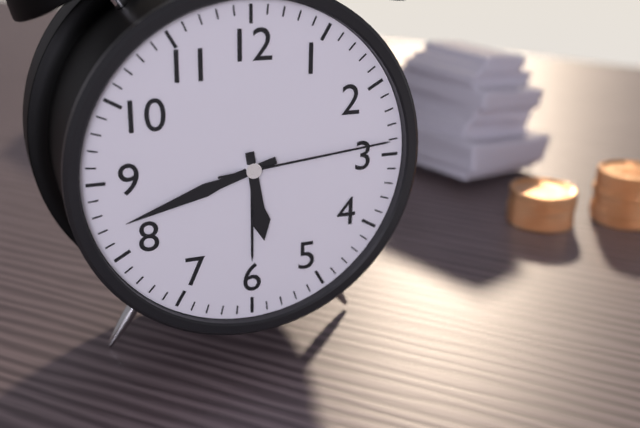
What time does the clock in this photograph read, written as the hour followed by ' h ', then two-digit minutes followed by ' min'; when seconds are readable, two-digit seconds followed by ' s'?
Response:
5 h 42 min 14 s
